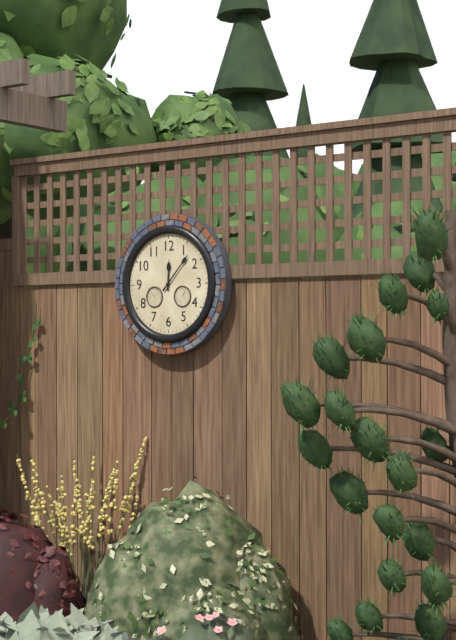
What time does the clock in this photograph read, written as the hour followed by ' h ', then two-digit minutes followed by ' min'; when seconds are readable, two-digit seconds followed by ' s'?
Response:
12 h 07 min
